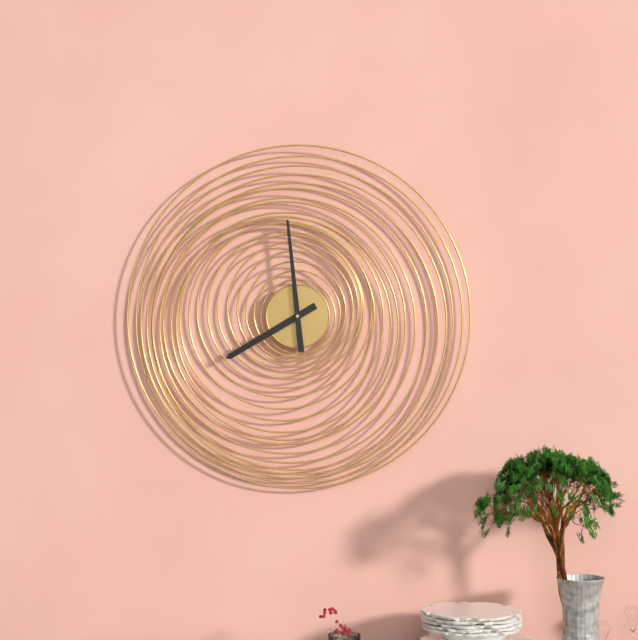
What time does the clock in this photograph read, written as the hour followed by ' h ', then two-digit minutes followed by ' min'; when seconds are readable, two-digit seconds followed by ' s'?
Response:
7 h 59 min
